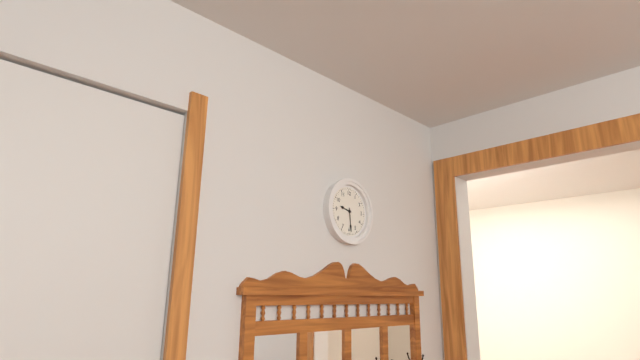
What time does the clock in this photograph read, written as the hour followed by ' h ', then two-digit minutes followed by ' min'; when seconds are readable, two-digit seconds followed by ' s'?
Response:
9 h 29 min
